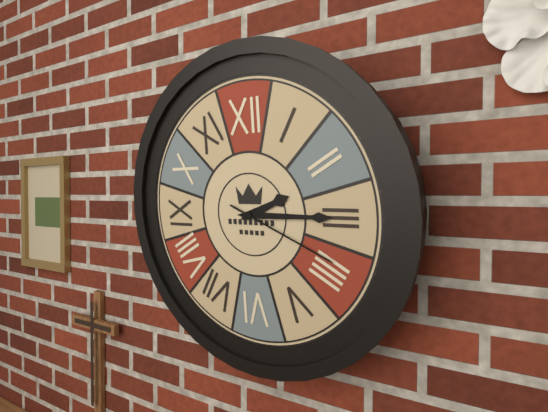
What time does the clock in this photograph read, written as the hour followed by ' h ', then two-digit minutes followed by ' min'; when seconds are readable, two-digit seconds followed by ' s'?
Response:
2 h 15 min 19 s
